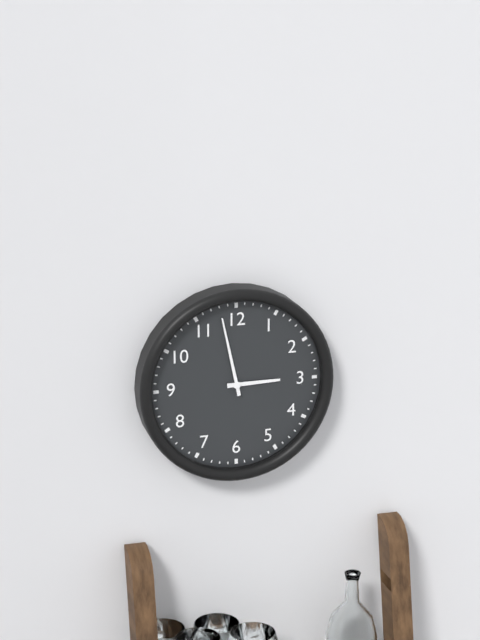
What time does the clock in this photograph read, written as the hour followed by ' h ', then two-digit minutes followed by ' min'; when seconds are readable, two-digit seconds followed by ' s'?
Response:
2 h 58 min
